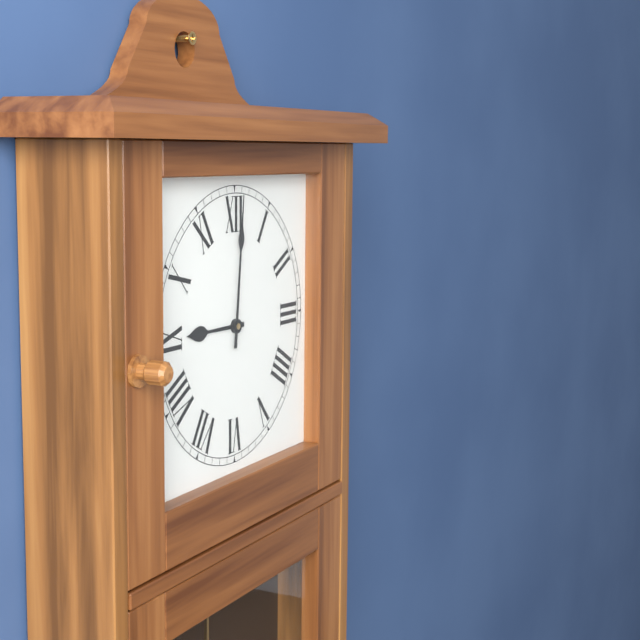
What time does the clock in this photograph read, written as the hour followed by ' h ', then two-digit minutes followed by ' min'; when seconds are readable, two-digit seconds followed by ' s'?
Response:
9 h 01 min
